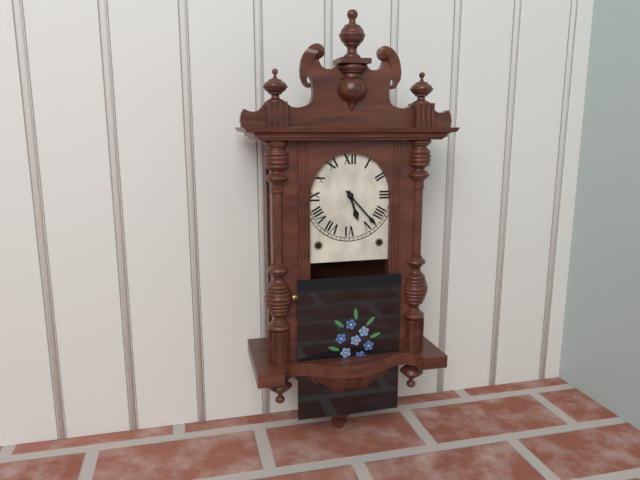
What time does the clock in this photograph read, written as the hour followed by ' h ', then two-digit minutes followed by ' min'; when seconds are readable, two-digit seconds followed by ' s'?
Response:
5 h 23 min
